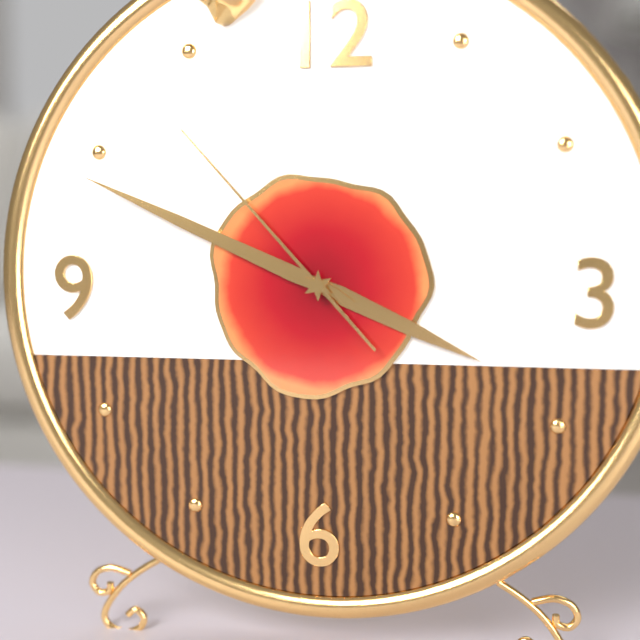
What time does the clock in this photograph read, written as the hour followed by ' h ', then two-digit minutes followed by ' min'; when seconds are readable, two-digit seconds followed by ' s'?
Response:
3 h 49 min 53 s
